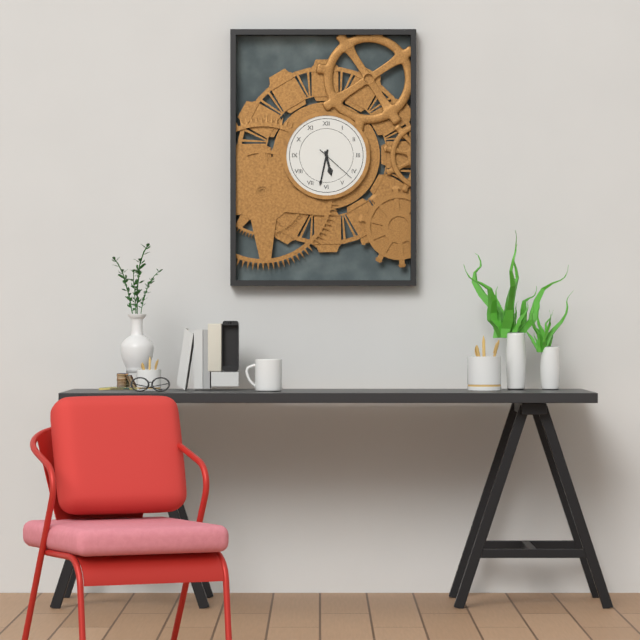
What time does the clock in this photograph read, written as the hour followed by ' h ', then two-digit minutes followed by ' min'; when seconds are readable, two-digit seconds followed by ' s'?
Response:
5 h 32 min
